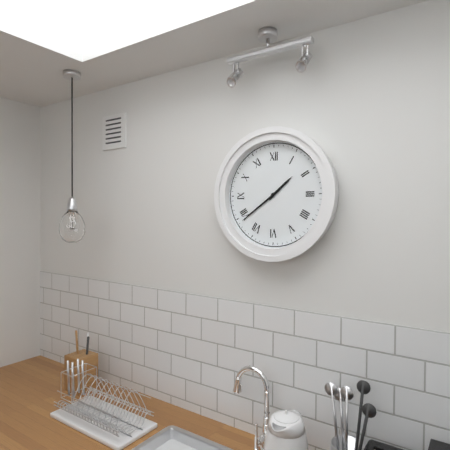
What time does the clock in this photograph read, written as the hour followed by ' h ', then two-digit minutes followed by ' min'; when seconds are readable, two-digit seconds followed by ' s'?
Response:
1 h 39 min
